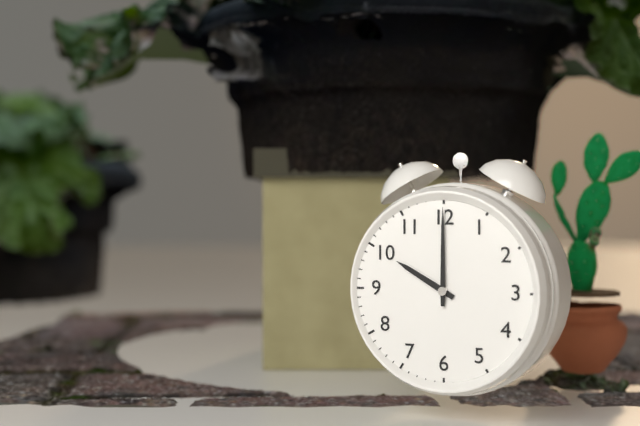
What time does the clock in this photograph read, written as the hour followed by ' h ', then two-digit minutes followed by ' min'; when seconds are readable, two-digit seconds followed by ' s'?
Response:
10 h 00 min
